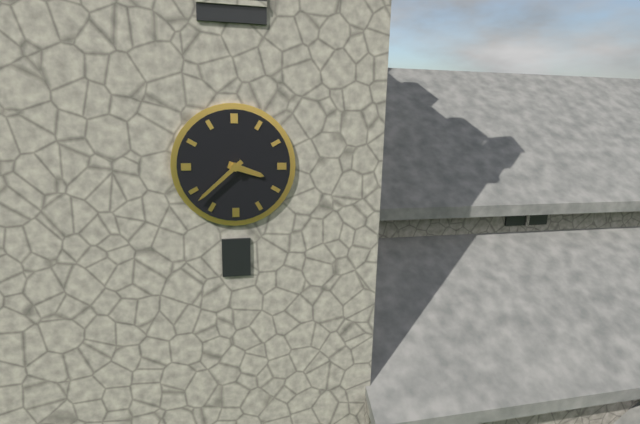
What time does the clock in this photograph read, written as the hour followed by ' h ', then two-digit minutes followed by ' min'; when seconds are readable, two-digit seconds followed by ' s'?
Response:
3 h 38 min
